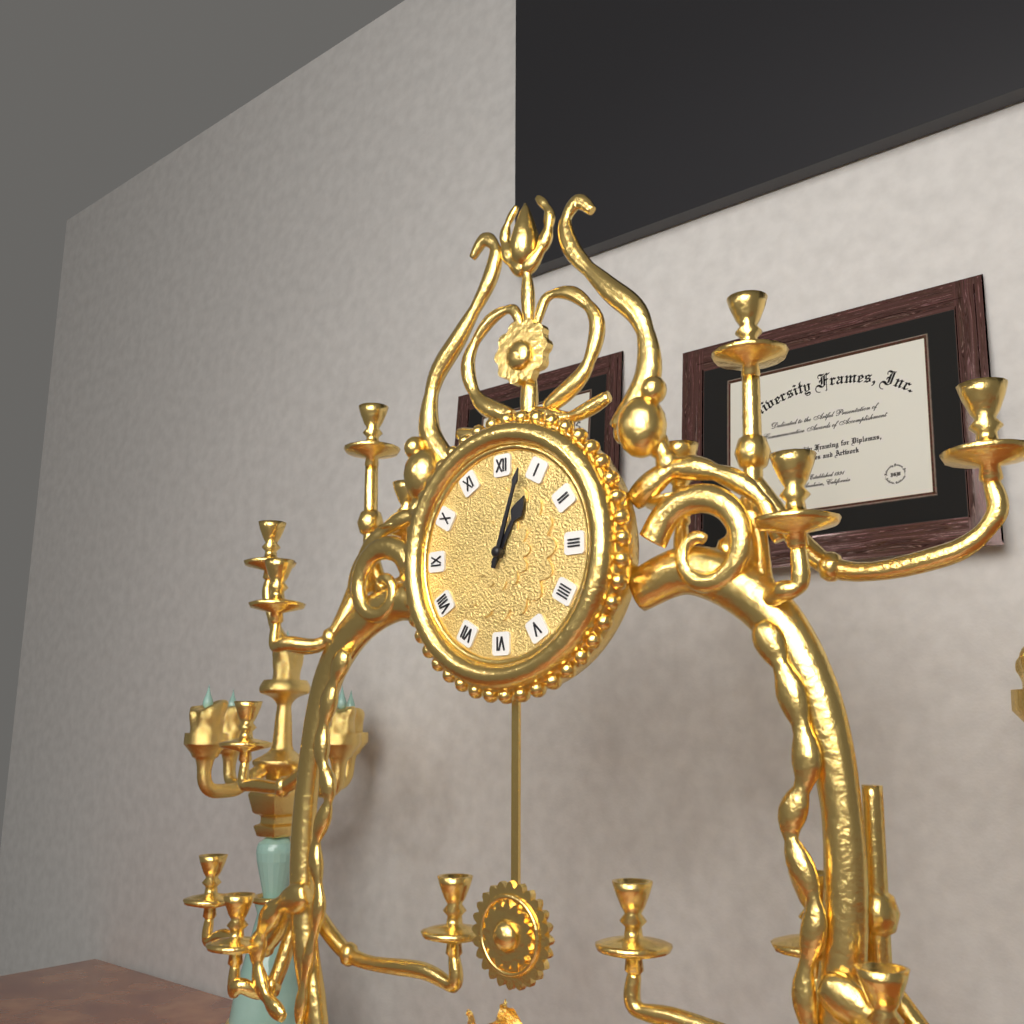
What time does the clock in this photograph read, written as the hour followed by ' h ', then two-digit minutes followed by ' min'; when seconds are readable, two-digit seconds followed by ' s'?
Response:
1 h 03 min
